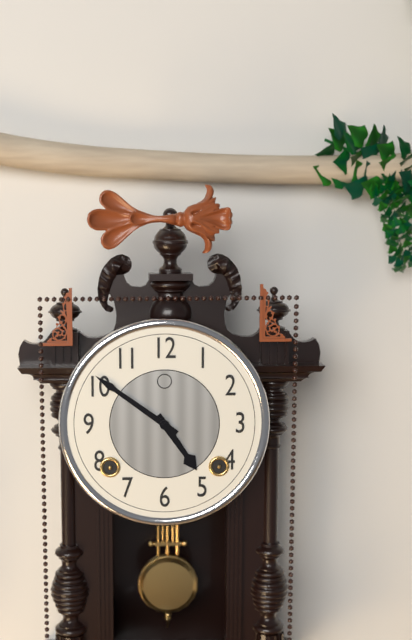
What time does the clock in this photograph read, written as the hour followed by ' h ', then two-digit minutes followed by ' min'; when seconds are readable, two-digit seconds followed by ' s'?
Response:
4 h 51 min
